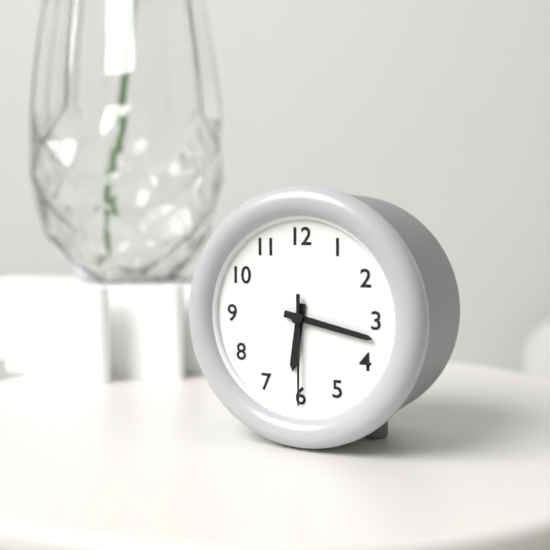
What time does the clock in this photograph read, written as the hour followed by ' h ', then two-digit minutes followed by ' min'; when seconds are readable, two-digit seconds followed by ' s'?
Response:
6 h 17 min 30 s
